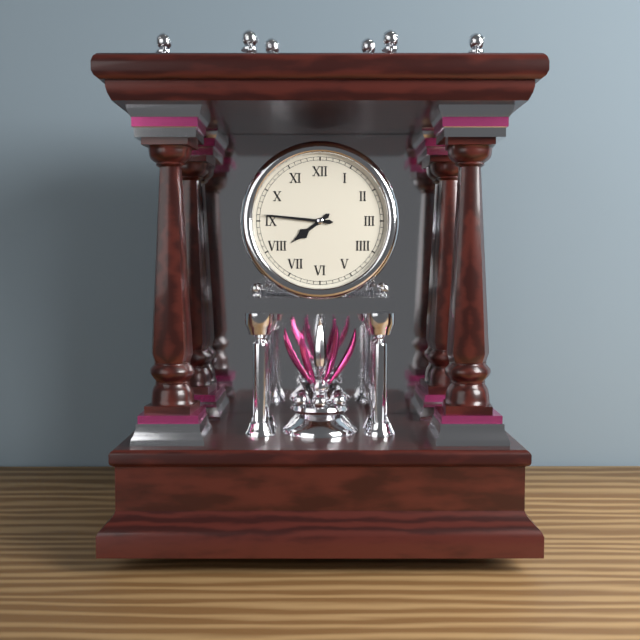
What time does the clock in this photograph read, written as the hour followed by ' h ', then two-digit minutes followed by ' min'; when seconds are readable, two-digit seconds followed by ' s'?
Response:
7 h 46 min
